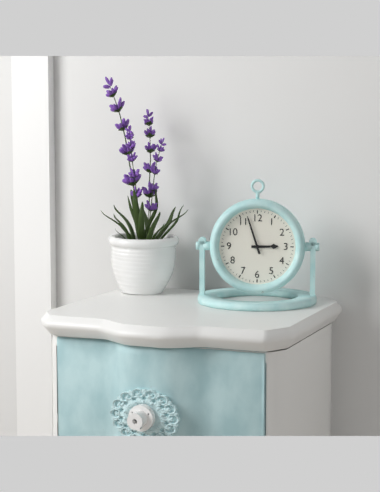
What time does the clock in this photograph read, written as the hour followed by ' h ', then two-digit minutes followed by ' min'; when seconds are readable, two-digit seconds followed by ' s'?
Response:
2 h 57 min
